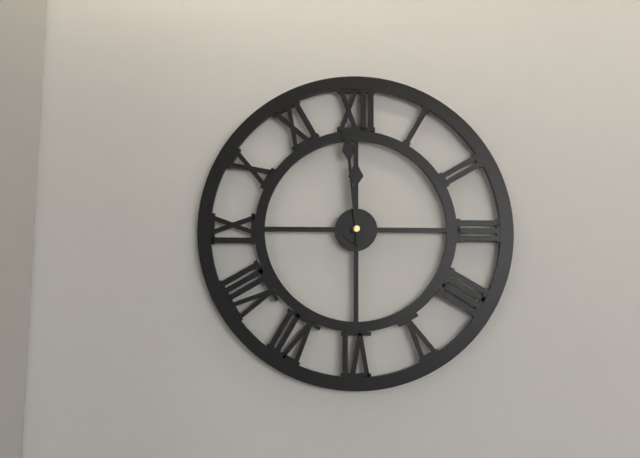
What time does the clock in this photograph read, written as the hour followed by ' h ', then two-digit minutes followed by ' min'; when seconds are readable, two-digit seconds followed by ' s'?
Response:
11 h 59 min
